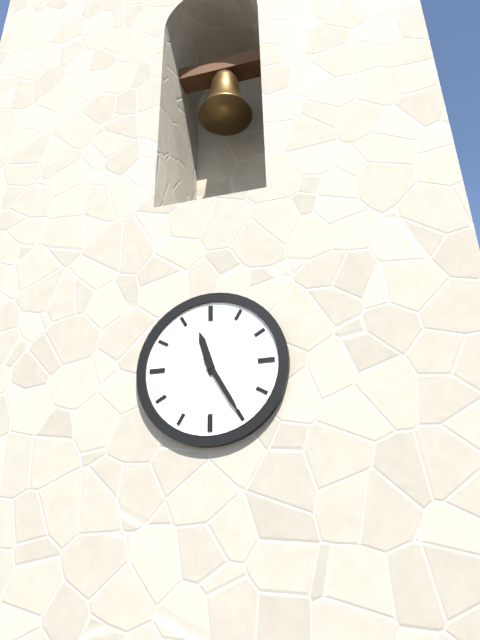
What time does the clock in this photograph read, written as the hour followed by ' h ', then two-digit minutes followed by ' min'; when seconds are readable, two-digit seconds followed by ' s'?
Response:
11 h 25 min
